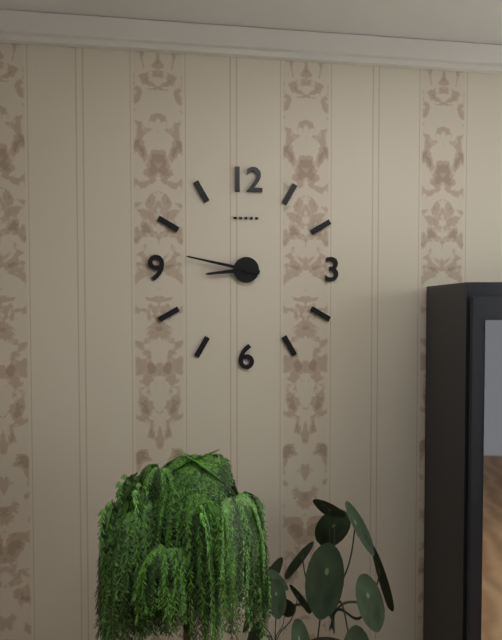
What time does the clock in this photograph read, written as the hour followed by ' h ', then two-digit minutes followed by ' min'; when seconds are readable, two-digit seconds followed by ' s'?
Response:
8 h 47 min
